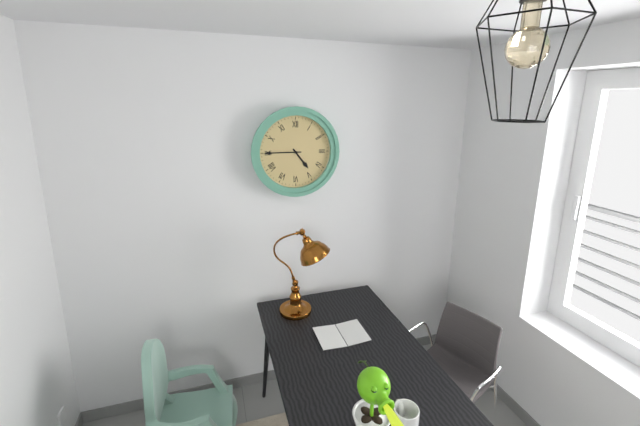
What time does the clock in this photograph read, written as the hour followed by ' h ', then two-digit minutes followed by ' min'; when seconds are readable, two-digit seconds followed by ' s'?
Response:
4 h 45 min
